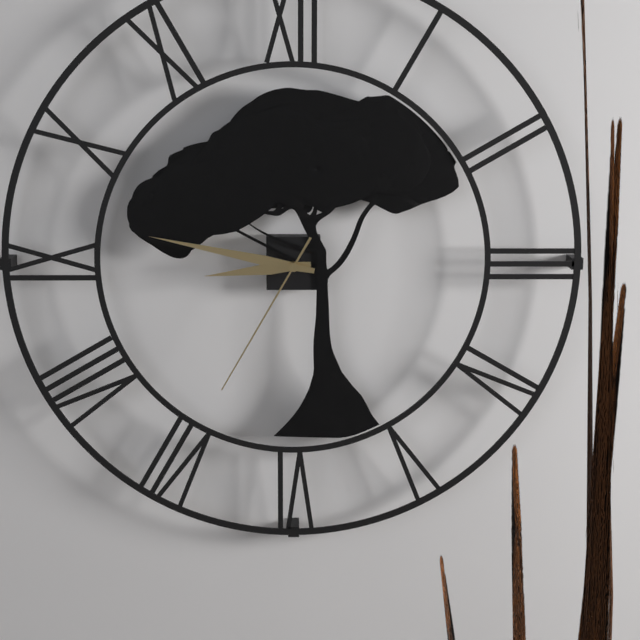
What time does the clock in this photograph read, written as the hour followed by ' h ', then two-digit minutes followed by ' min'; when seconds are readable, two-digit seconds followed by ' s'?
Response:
8 h 47 min 35 s
